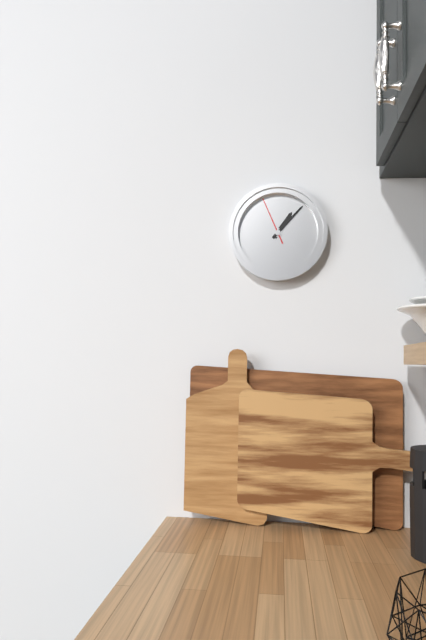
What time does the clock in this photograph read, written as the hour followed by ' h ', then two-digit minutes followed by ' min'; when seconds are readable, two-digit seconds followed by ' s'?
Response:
1 h 07 min
